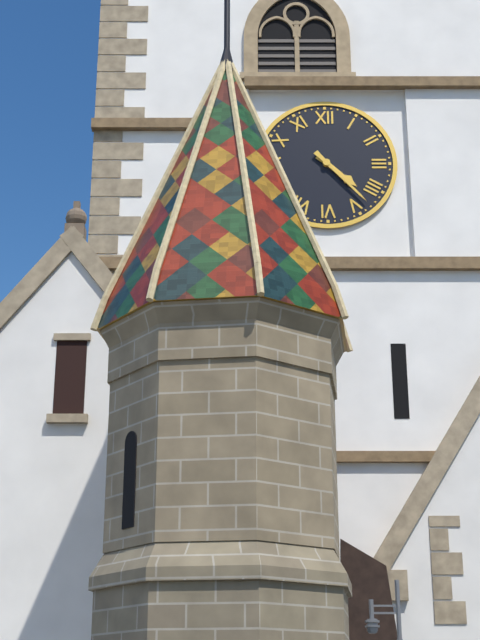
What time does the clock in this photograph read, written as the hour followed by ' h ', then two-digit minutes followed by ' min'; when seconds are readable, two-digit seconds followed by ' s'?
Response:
4 h 23 min
